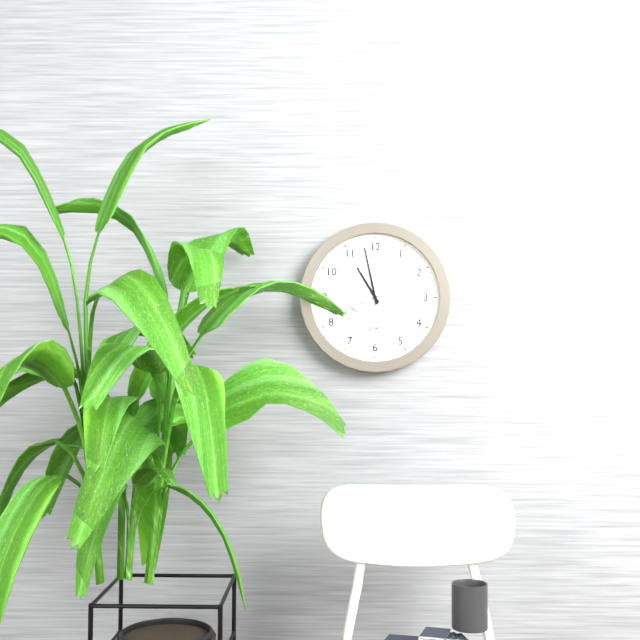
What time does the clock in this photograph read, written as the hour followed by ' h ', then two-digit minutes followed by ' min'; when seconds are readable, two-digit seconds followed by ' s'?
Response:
10 h 58 min 41 s
